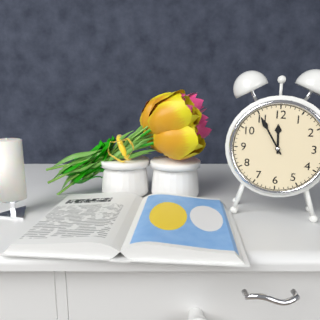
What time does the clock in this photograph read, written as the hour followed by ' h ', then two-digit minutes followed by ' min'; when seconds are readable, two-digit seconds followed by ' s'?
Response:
11 h 55 min
